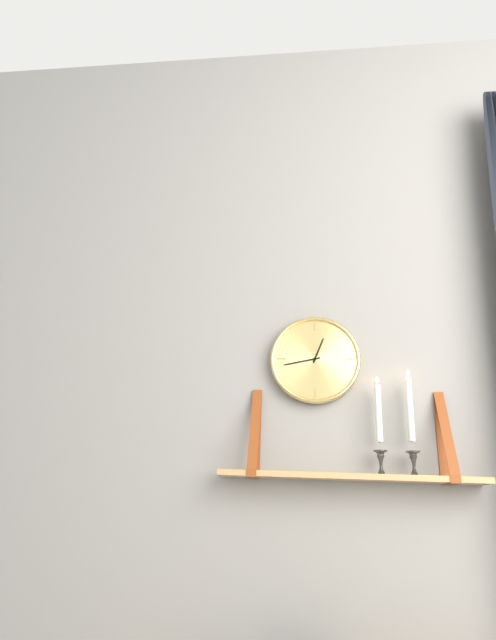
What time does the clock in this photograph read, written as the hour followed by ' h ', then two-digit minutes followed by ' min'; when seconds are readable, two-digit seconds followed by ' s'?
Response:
12 h 43 min
